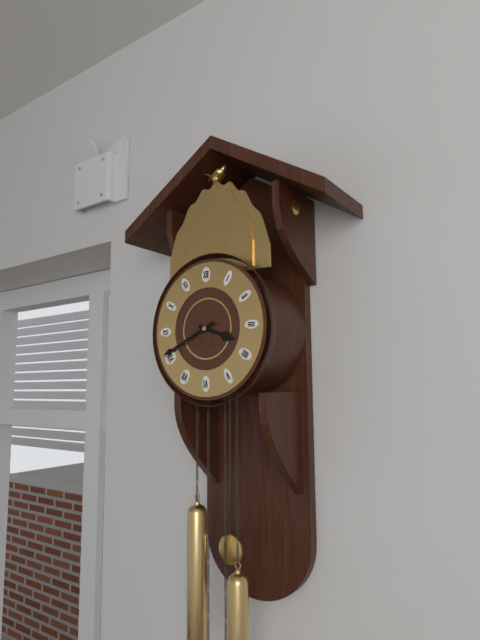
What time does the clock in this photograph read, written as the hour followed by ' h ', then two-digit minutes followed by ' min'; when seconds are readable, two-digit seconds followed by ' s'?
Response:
3 h 41 min
